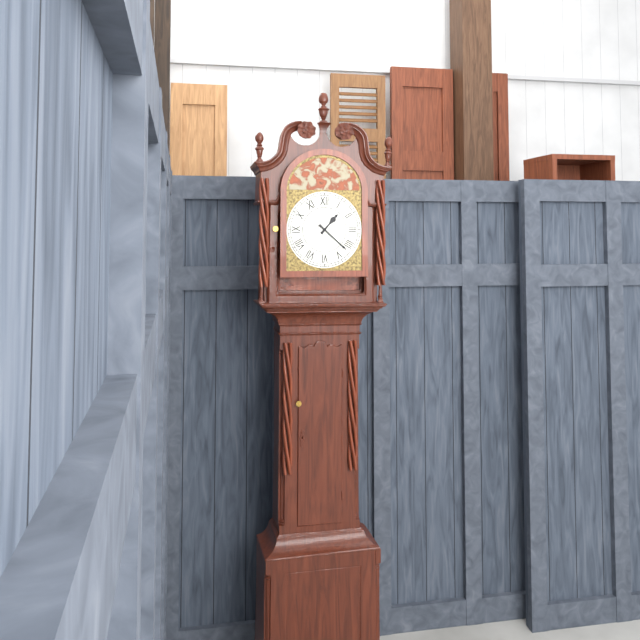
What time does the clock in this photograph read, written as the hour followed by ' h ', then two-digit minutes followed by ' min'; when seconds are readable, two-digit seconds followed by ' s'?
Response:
1 h 22 min
